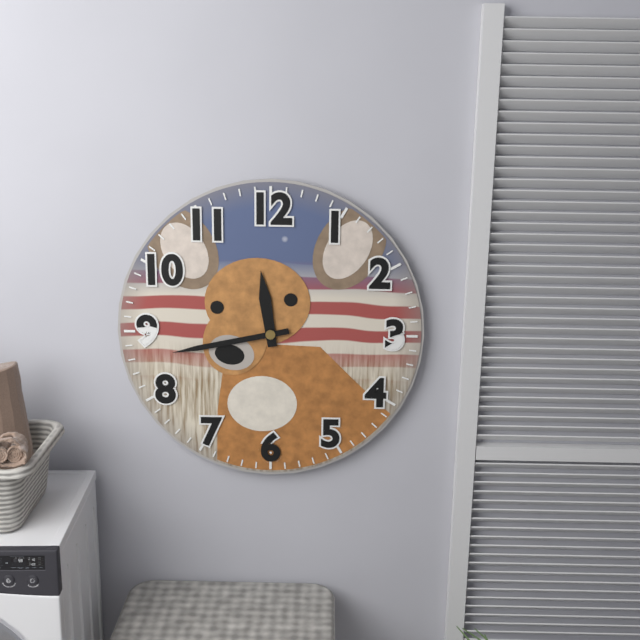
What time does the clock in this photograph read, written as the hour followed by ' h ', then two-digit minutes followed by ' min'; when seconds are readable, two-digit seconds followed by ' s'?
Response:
11 h 43 min
